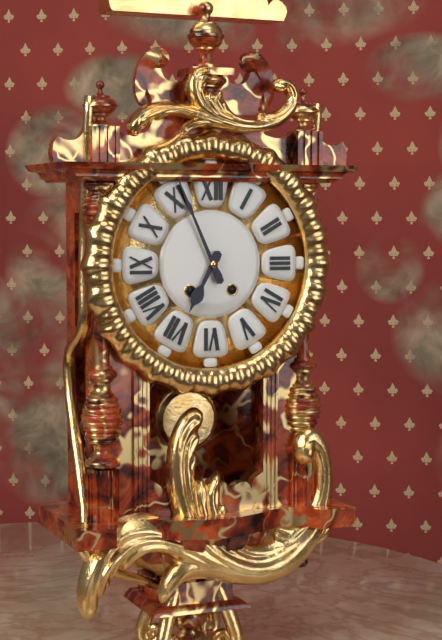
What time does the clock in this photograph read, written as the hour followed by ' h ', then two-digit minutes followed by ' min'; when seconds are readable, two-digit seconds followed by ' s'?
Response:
6 h 56 min
